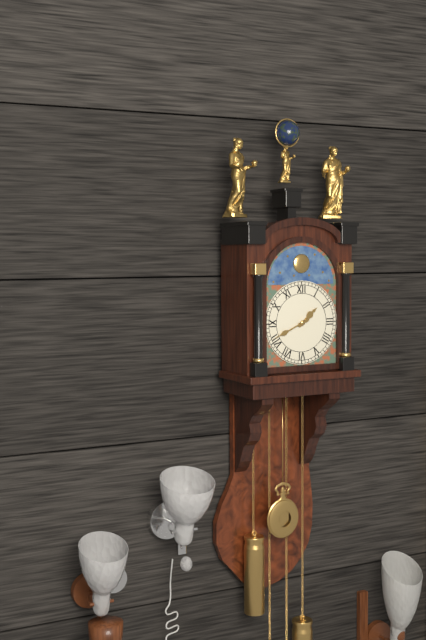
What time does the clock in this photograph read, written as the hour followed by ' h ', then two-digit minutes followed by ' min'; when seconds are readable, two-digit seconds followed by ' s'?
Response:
1 h 41 min
